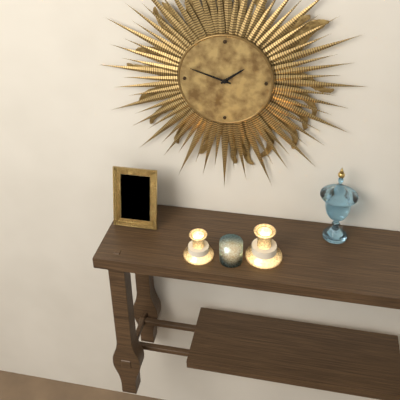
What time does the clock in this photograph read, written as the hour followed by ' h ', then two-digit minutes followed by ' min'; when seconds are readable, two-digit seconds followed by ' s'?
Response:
1 h 48 min
